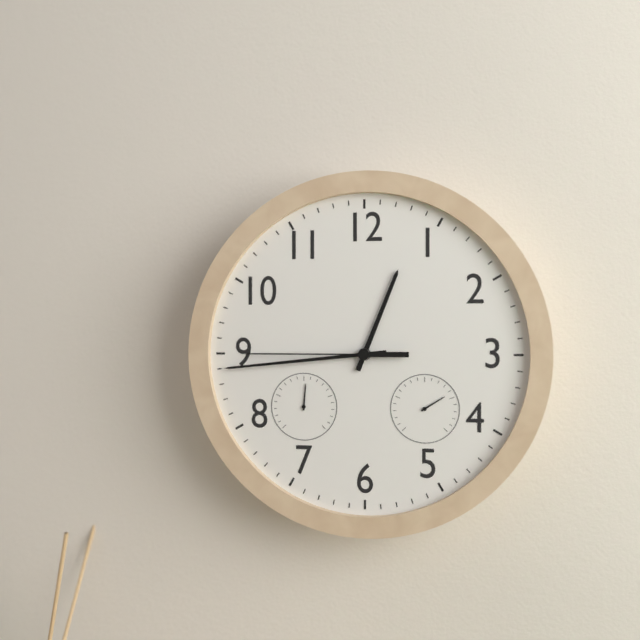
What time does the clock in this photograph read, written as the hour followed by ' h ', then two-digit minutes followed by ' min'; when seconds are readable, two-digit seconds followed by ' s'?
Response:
12 h 44 min 45 s
